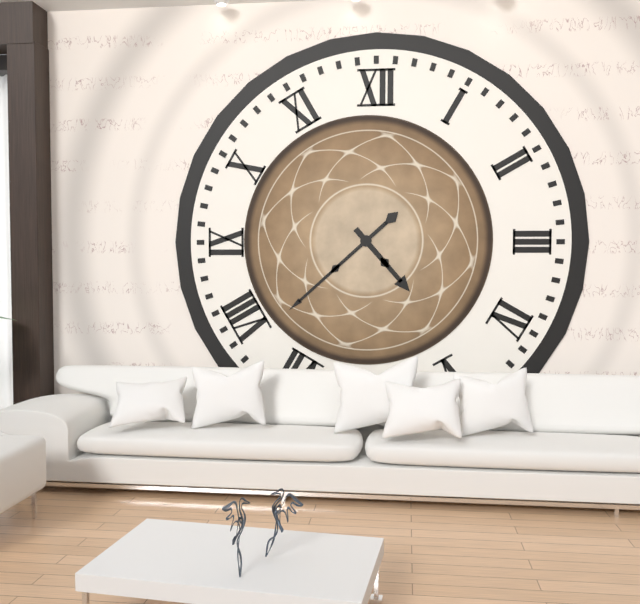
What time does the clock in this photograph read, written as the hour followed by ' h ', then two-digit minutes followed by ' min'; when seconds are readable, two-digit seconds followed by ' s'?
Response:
4 h 38 min
